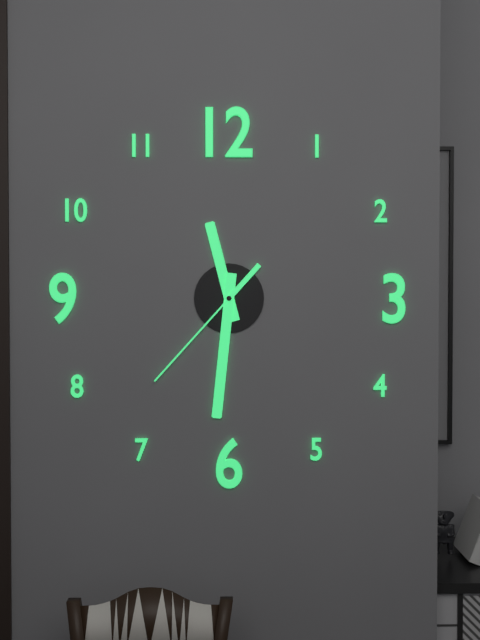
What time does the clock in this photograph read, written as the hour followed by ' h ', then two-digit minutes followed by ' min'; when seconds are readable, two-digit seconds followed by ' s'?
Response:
11 h 31 min 37 s
